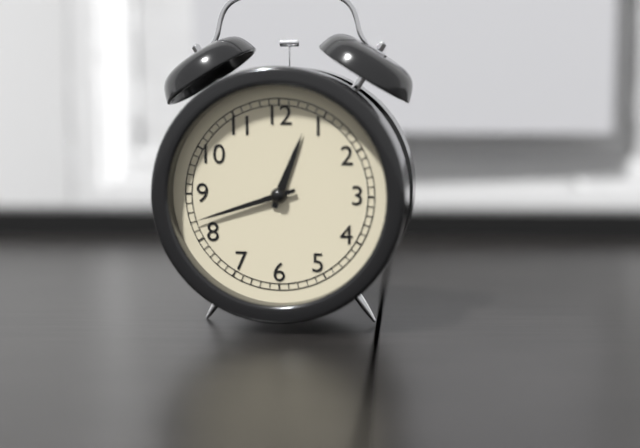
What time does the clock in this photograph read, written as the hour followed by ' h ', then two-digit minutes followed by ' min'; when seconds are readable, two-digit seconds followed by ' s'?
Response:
12 h 42 min
